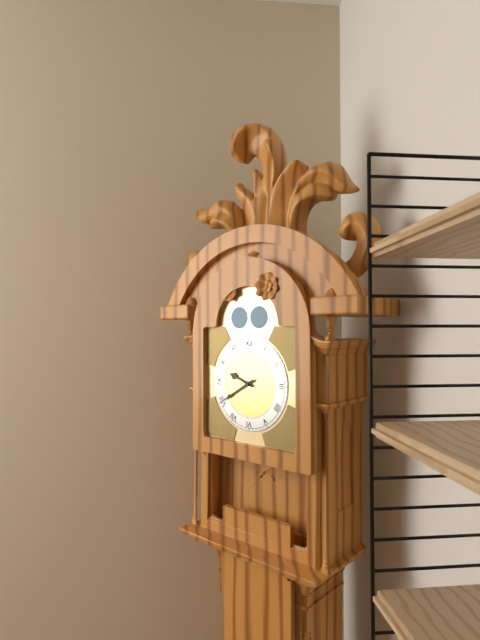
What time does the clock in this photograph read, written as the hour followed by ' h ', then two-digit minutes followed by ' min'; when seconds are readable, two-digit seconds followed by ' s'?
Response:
9 h 40 min
